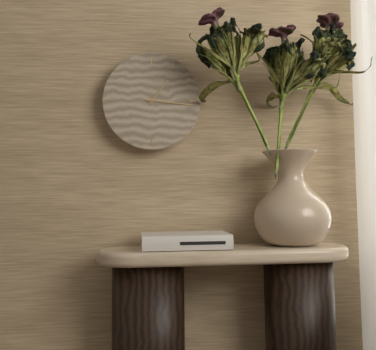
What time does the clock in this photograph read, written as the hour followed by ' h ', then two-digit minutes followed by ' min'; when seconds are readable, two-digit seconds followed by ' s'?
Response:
1 h 16 min
